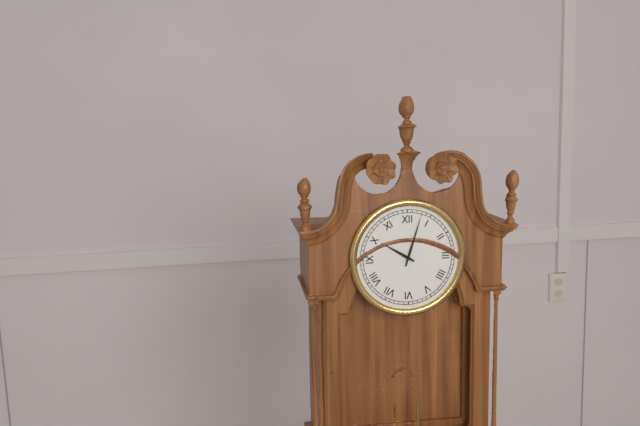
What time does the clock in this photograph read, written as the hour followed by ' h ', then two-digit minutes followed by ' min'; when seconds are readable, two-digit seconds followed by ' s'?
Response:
10 h 03 min
